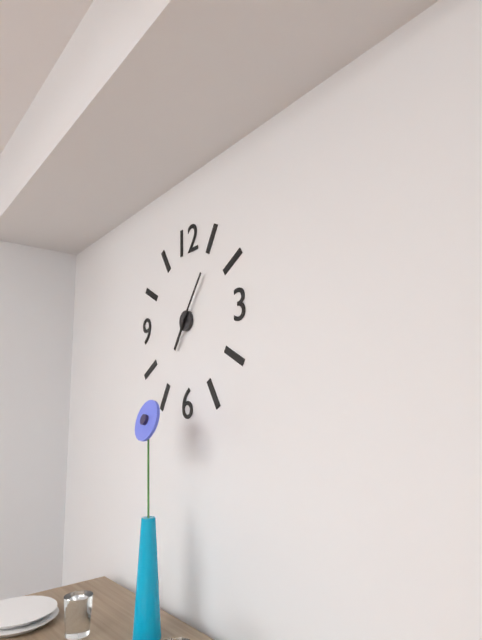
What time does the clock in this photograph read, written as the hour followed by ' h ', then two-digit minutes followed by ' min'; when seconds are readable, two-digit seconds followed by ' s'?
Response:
7 h 06 min
